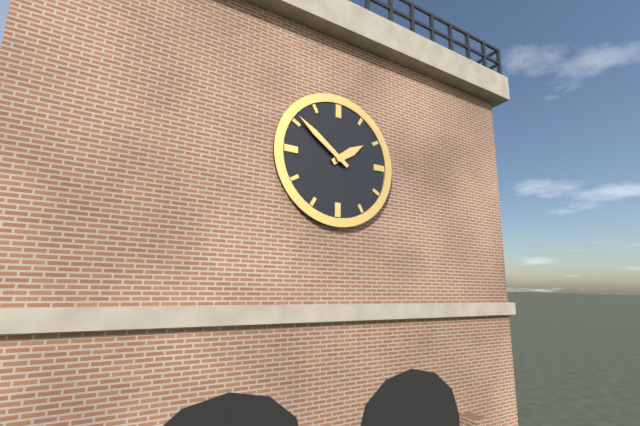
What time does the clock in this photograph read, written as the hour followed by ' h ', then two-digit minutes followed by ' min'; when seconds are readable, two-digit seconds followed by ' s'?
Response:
1 h 51 min
